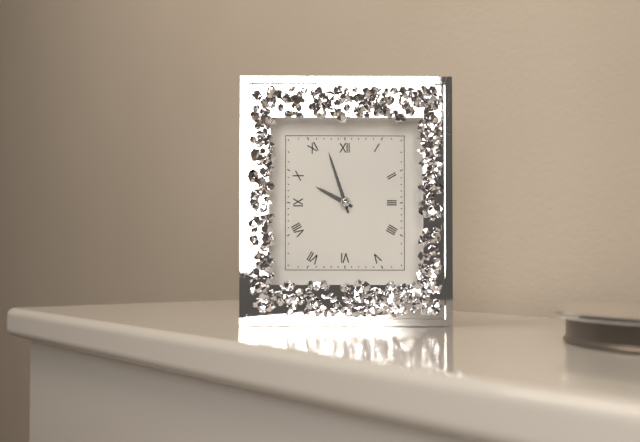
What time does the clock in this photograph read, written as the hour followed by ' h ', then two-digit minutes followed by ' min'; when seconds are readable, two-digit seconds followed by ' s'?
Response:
9 h 57 min
